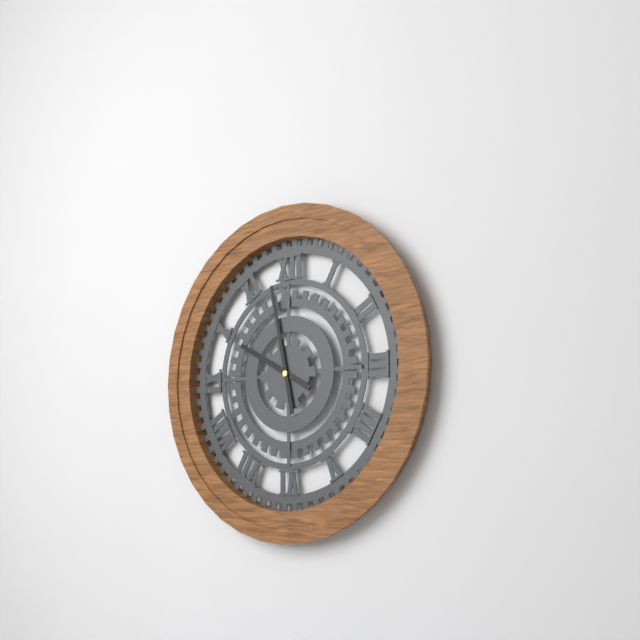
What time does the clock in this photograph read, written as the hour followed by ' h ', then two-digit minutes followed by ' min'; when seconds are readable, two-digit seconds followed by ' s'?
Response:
9 h 58 min
